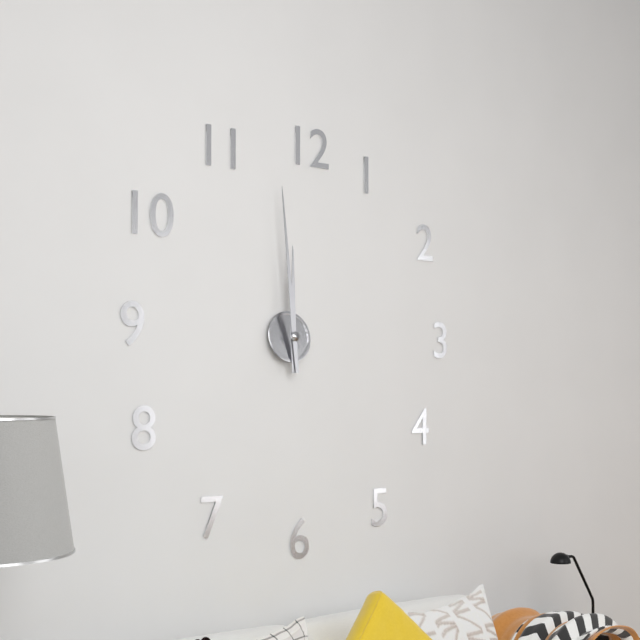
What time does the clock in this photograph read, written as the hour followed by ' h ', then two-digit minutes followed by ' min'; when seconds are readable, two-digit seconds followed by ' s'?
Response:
11 h 59 min
